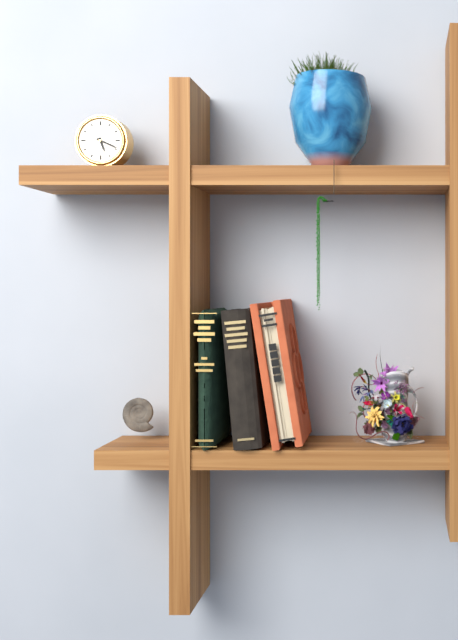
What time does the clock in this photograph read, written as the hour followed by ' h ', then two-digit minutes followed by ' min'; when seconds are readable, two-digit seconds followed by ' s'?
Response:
5 h 19 min
